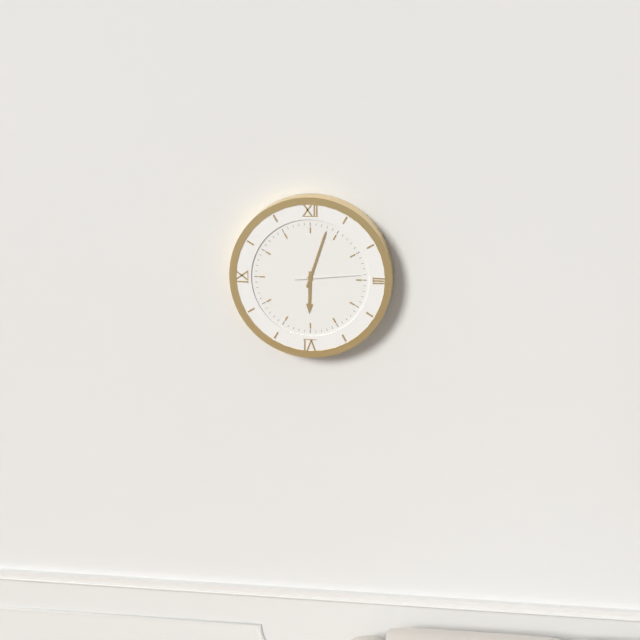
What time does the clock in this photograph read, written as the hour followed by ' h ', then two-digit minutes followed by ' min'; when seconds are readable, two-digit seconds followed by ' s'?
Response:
6 h 03 min 14 s
